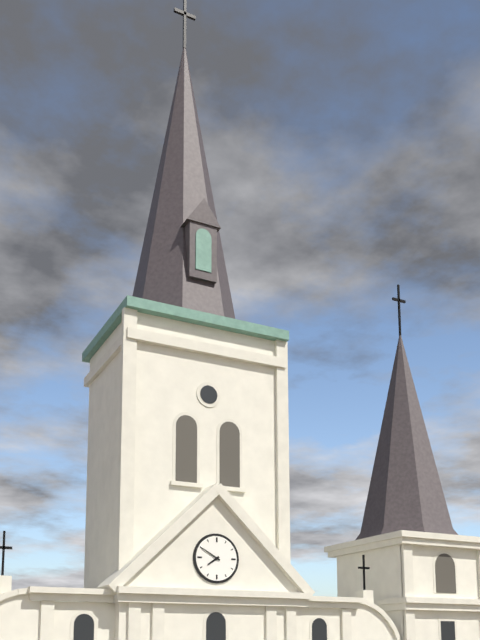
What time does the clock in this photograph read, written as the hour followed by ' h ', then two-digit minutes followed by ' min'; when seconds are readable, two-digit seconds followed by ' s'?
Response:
7 h 50 min
